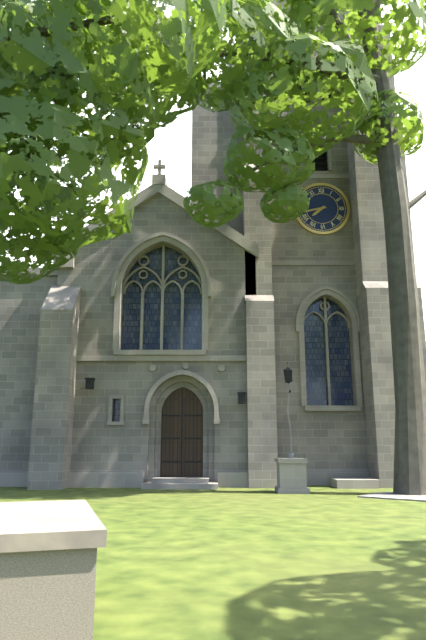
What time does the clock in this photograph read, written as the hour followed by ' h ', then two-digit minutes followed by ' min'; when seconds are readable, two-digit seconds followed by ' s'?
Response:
7 h 43 min
